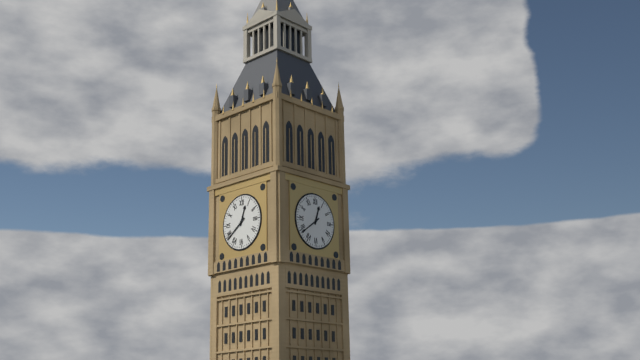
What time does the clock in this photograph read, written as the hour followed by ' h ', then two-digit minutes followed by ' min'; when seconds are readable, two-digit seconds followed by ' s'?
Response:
12 h 39 min
